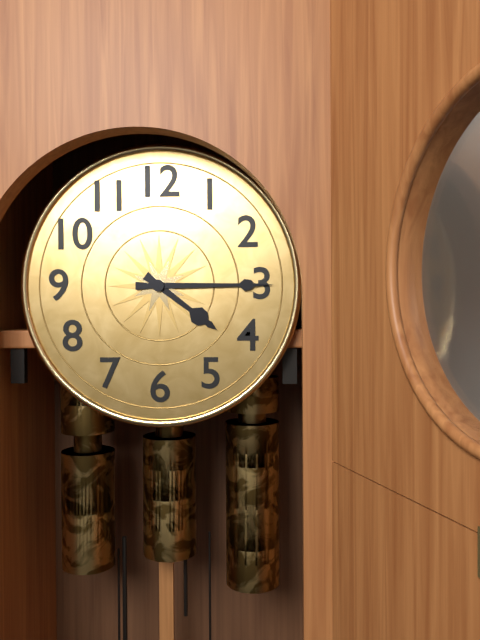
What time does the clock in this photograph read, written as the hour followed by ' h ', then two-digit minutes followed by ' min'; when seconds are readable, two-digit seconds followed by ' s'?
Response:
4 h 15 min
